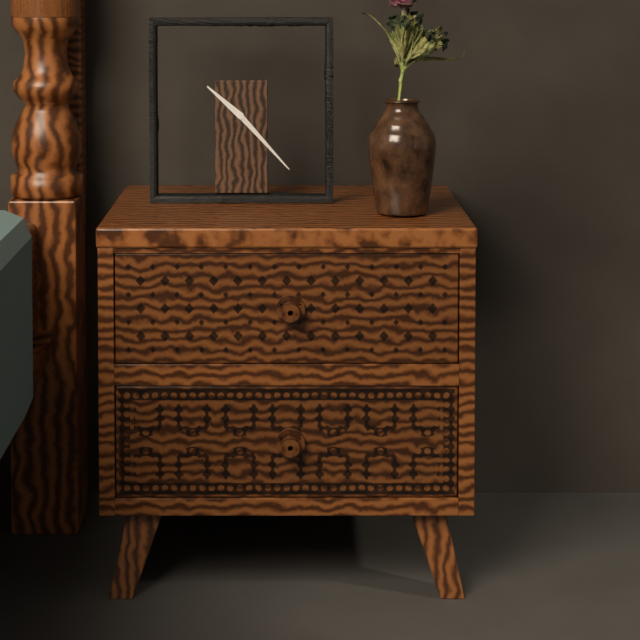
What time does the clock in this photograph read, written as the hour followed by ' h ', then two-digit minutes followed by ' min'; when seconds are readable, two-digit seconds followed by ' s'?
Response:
10 h 23 min
